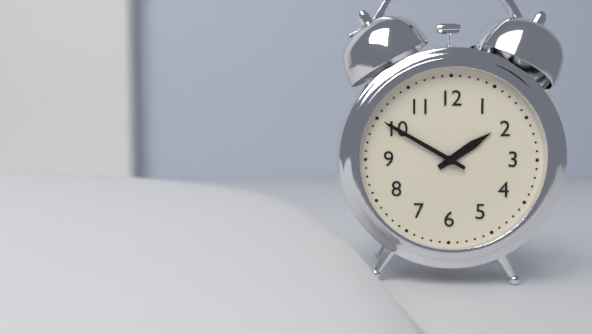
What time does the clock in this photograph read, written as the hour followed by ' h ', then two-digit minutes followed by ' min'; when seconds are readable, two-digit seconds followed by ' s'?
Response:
1 h 50 min
